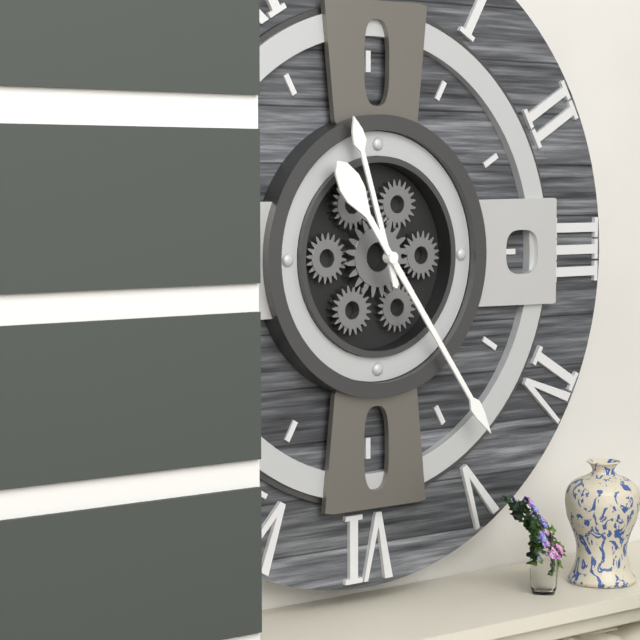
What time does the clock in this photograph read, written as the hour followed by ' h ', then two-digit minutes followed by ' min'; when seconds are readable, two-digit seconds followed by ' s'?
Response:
11 h 24 min
